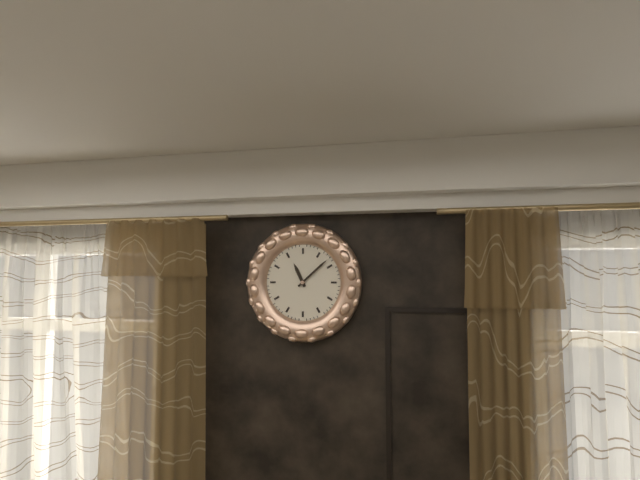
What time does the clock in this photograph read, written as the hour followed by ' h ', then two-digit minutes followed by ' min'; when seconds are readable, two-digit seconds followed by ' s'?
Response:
11 h 08 min
